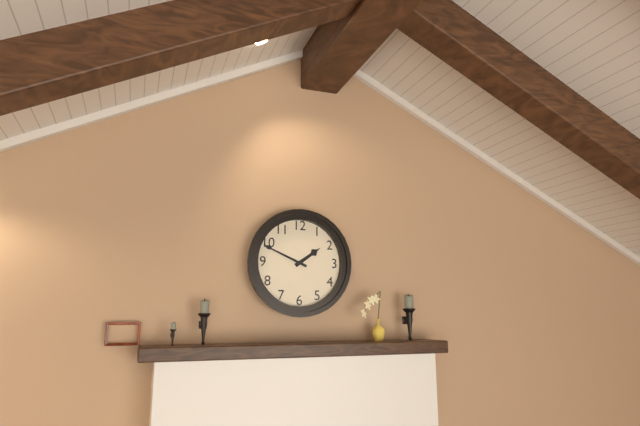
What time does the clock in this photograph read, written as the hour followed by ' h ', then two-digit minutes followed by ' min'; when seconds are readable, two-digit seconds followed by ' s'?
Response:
1 h 49 min
